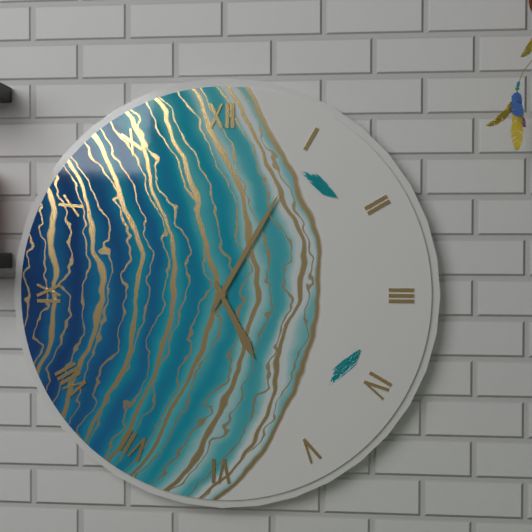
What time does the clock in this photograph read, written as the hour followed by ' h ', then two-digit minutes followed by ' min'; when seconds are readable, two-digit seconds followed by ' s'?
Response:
5 h 05 min
